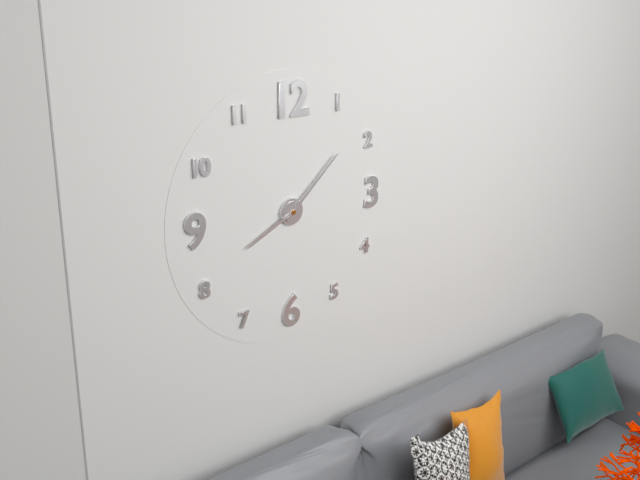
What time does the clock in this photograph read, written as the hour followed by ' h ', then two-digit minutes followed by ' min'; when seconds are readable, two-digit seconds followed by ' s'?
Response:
8 h 08 min
